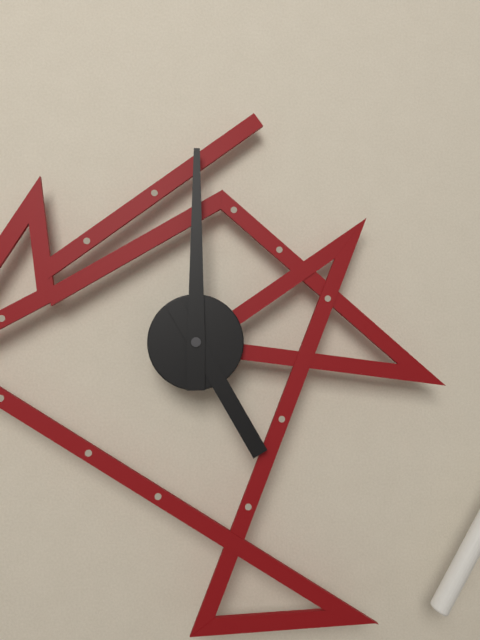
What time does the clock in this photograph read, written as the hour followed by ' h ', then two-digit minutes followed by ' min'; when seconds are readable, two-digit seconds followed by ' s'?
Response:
5 h 00 min
